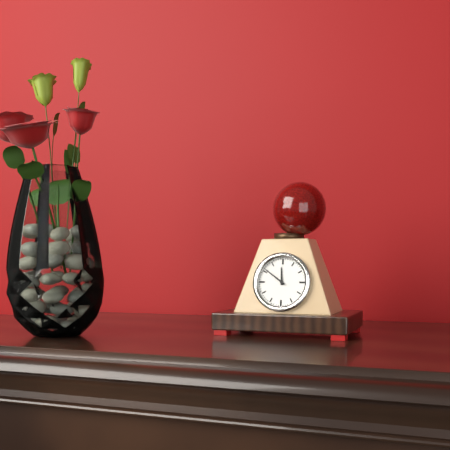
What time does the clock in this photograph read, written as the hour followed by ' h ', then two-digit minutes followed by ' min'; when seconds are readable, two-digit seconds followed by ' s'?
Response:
11 h 51 min
